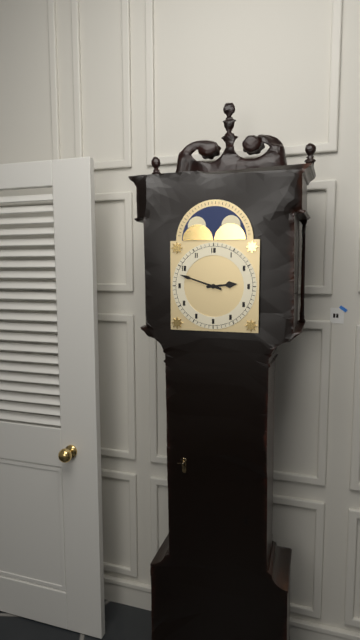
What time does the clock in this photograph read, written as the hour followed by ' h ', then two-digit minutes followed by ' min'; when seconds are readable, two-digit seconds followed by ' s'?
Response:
2 h 48 min
